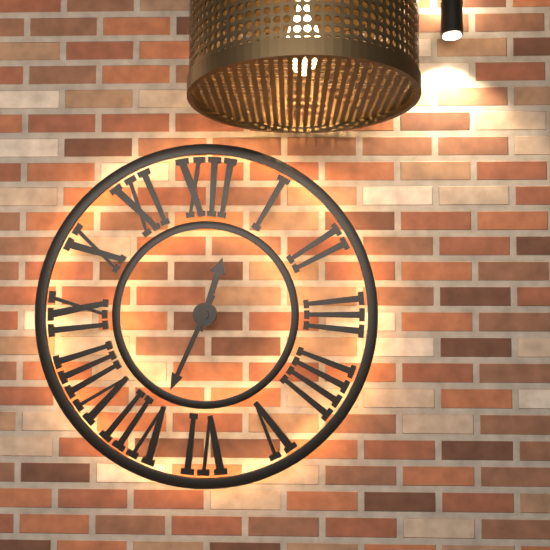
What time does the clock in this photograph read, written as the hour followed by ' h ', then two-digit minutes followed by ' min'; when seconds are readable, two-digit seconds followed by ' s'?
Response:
12 h 34 min
